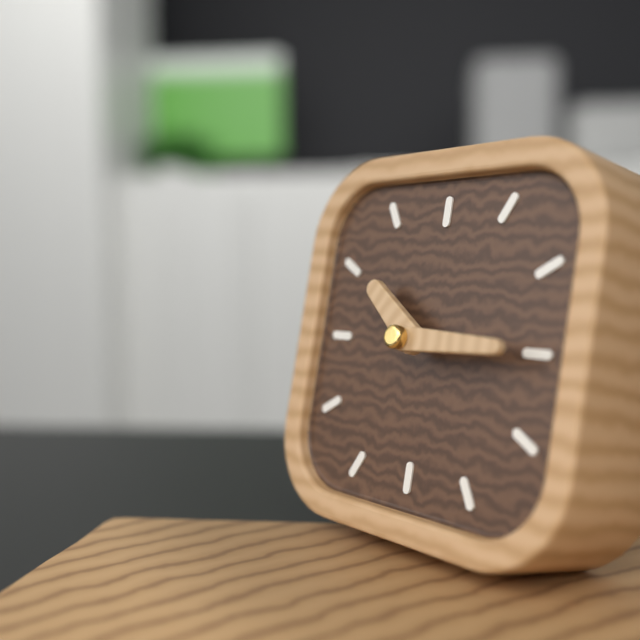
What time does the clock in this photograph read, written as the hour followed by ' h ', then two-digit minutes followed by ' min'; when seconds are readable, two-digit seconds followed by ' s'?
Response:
10 h 15 min
